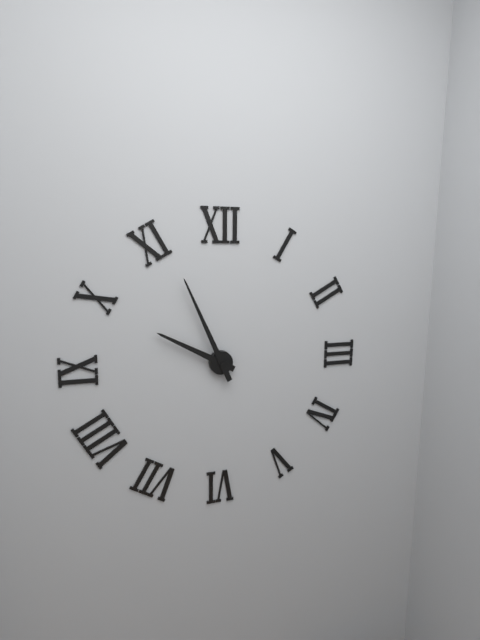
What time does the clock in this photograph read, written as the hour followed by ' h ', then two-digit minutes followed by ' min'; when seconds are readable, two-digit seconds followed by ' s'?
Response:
9 h 56 min
